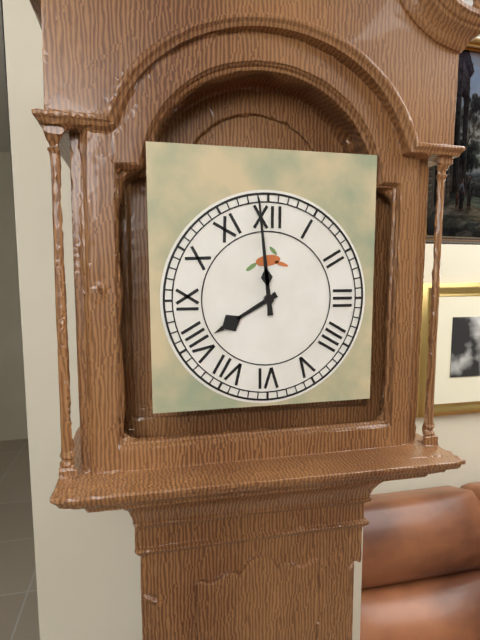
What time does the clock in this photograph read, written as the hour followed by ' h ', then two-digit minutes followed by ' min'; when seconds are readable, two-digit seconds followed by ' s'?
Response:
7 h 59 min
